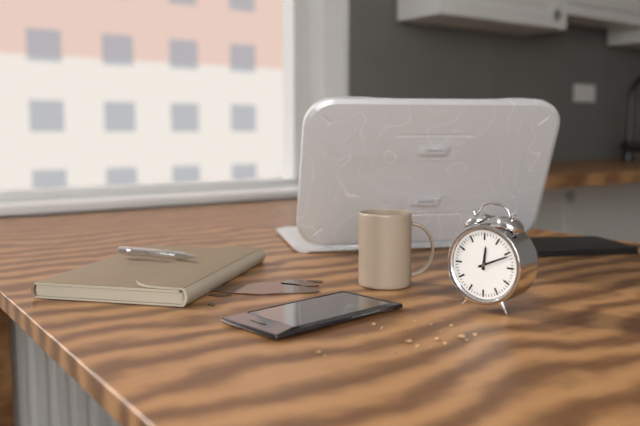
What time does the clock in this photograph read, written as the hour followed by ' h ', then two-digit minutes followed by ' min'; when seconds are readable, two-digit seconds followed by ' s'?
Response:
12 h 11 min
